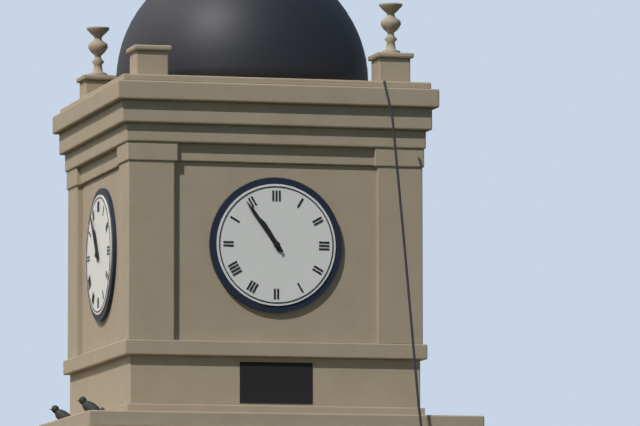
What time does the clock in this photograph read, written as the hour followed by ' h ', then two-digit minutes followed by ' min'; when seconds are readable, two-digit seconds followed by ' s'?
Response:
10 h 54 min
